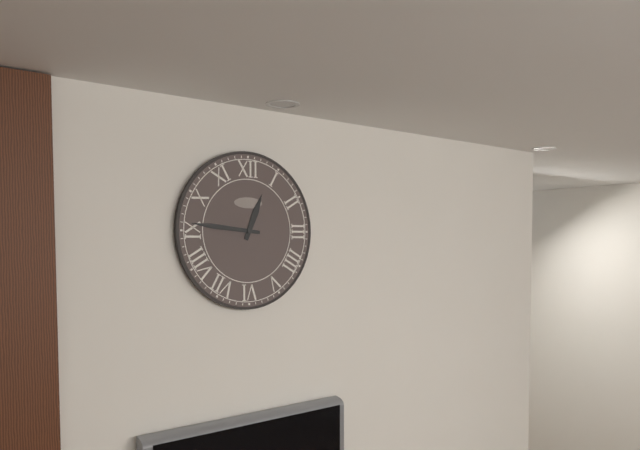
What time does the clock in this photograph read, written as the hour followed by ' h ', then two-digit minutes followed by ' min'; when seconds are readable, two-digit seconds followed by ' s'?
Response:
12 h 46 min
